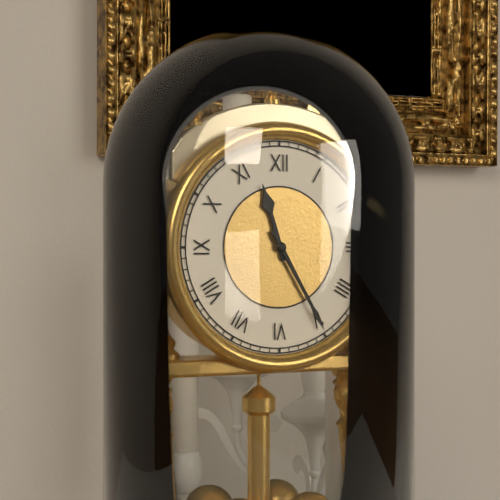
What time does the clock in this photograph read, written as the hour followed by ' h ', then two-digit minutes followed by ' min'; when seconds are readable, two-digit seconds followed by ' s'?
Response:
11 h 25 min
